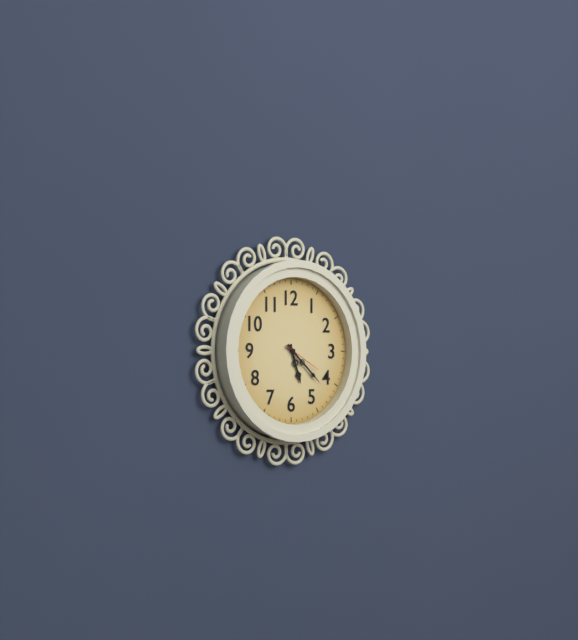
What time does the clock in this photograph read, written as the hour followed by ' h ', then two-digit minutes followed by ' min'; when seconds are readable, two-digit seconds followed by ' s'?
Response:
5 h 22 min
